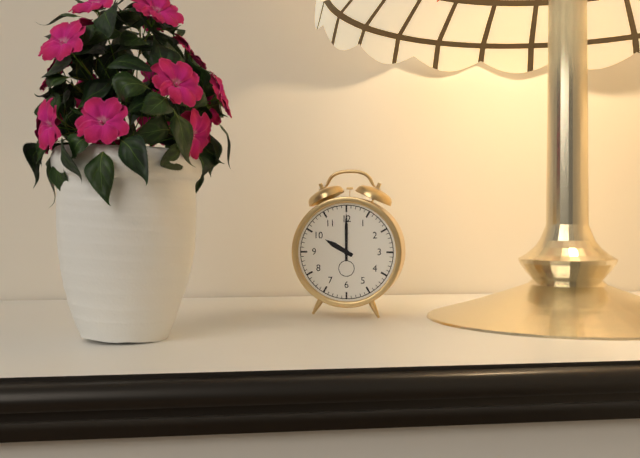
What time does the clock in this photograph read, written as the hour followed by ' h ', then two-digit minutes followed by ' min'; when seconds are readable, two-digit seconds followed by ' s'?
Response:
10 h 00 min
